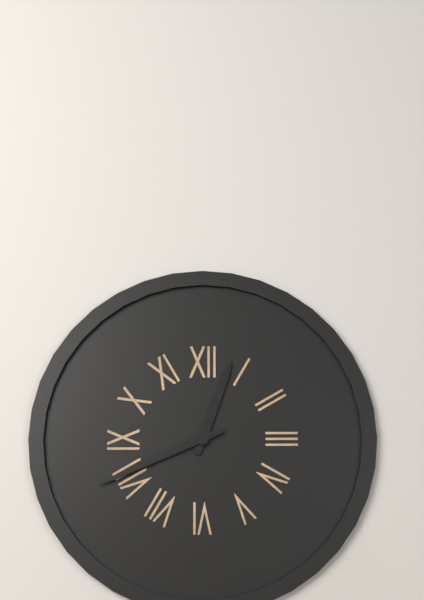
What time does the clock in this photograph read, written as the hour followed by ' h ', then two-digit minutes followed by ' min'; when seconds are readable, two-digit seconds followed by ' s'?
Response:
12 h 41 min
